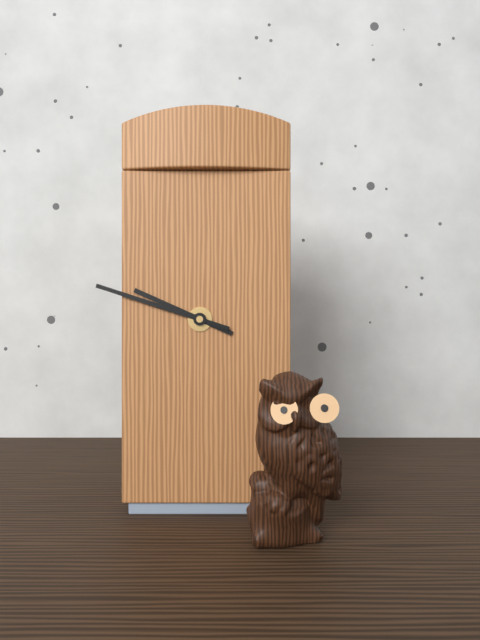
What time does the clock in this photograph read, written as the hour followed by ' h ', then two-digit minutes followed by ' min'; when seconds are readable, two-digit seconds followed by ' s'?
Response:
9 h 48 min
